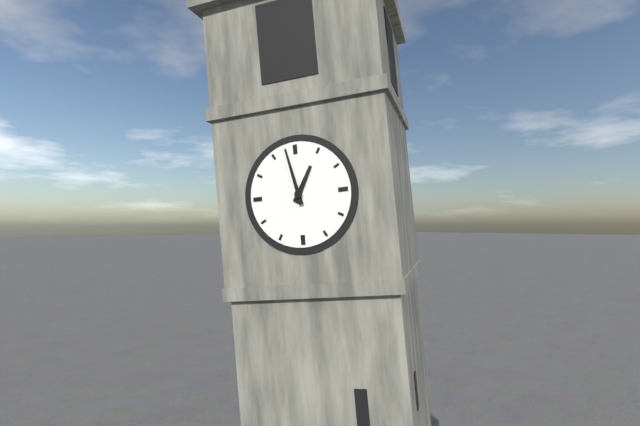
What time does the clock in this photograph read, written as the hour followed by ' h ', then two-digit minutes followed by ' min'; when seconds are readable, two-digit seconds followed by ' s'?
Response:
12 h 58 min
